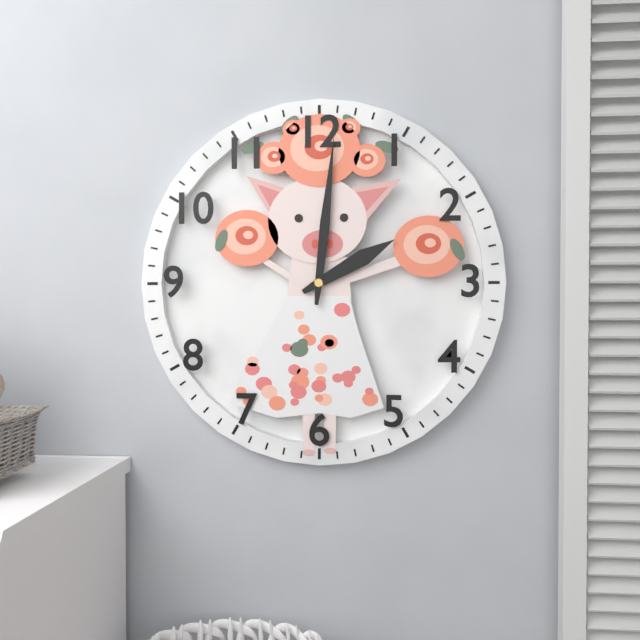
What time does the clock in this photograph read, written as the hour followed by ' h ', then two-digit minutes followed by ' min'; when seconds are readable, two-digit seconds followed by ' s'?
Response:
2 h 01 min
